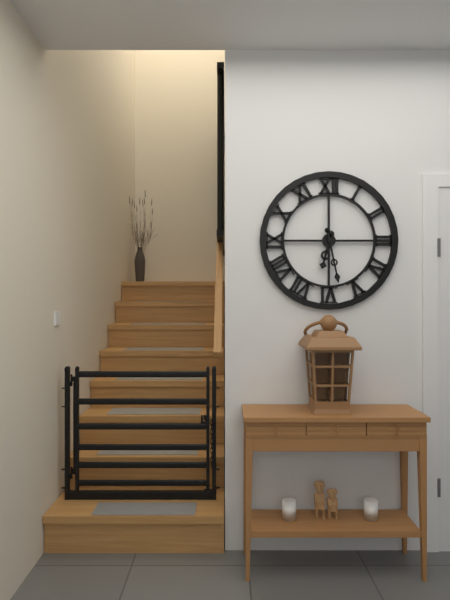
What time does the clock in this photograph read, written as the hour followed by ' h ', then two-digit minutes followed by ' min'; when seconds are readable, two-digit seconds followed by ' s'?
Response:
6 h 28 min
